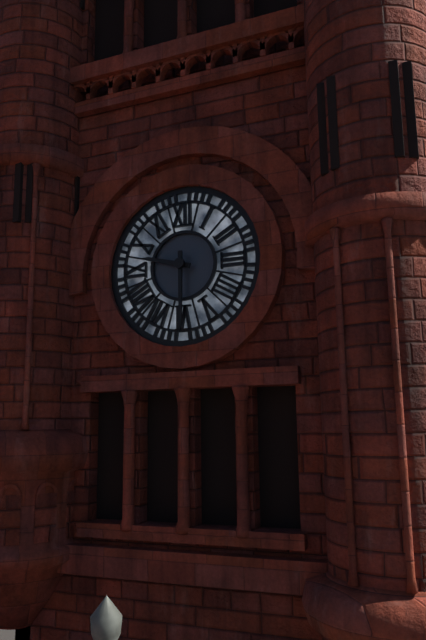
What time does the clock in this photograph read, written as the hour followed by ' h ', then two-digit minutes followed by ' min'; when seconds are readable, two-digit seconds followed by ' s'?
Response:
9 h 30 min
